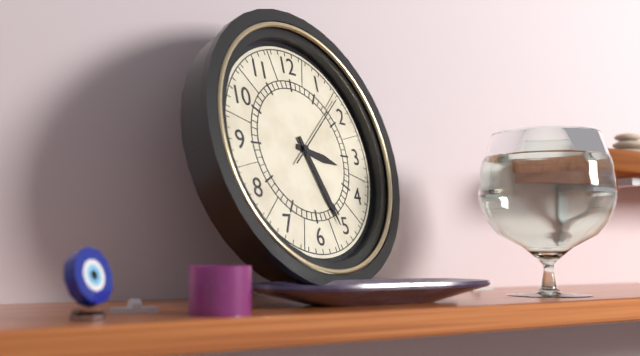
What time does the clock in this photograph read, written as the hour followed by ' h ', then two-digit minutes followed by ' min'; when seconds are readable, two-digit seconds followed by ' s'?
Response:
3 h 26 min 08 s
